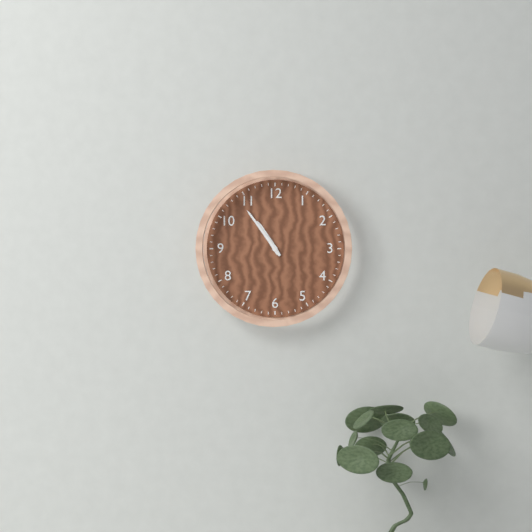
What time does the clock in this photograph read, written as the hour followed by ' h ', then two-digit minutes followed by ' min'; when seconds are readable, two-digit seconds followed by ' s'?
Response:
10 h 54 min
